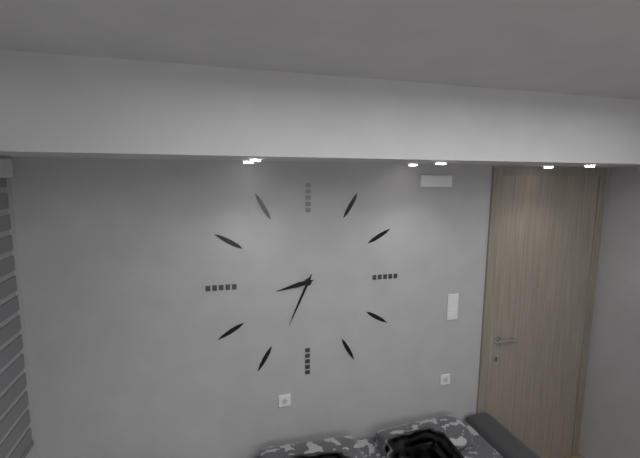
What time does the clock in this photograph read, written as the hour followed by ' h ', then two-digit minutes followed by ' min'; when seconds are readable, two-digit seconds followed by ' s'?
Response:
8 h 34 min
